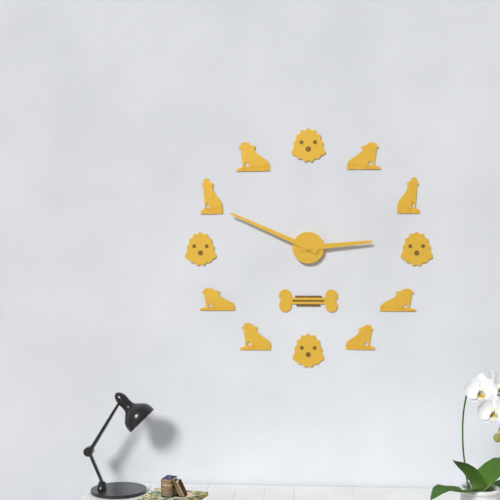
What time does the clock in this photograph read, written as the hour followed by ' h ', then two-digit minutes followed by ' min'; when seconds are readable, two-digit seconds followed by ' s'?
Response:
2 h 49 min
